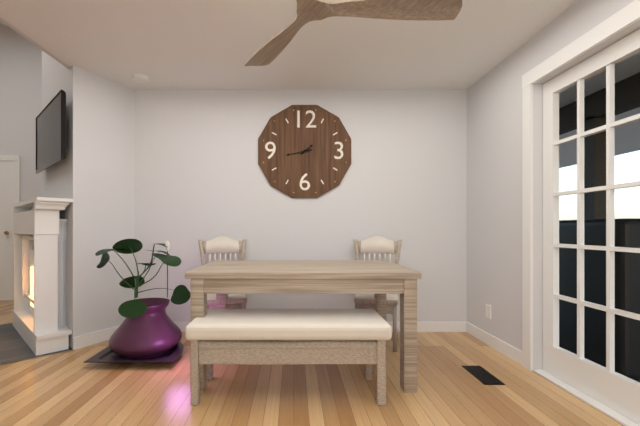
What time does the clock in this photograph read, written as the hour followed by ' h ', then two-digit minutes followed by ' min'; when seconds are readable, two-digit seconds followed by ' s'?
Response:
1 h 43 min
